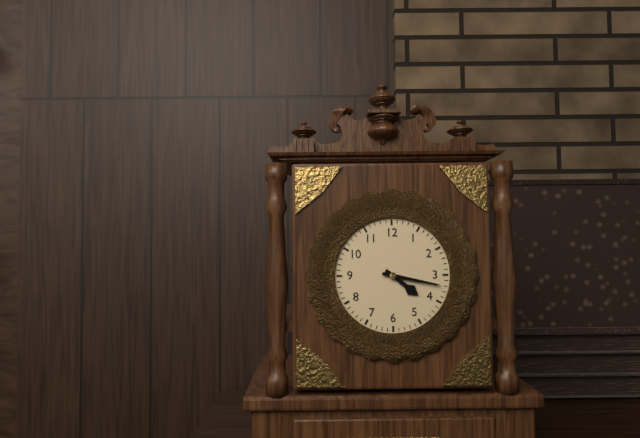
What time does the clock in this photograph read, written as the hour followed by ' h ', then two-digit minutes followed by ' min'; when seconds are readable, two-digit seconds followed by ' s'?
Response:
4 h 17 min
